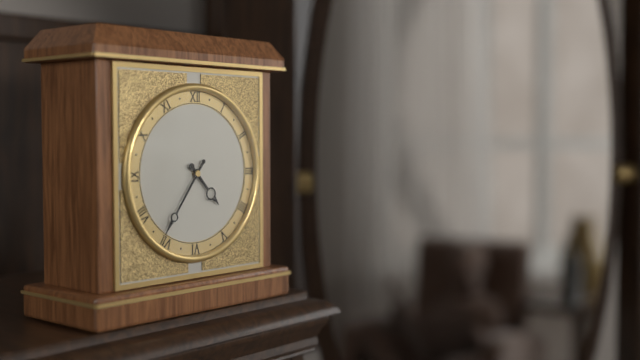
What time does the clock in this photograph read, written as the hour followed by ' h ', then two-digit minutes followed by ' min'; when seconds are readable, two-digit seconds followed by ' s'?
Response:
4 h 36 min
